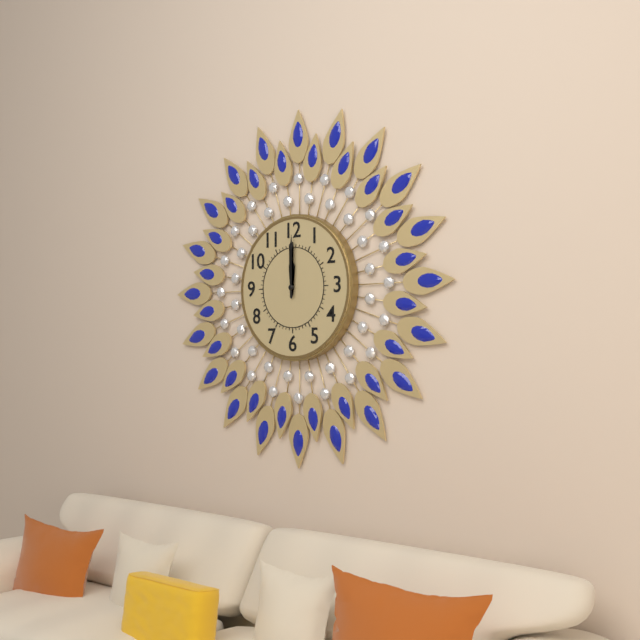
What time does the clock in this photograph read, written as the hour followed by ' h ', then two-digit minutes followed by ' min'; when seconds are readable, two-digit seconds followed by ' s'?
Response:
12 h 00 min
